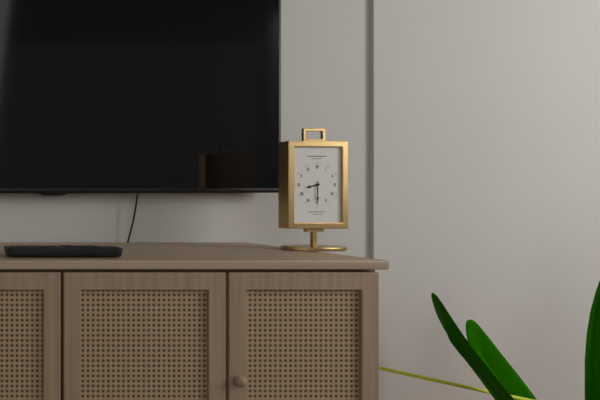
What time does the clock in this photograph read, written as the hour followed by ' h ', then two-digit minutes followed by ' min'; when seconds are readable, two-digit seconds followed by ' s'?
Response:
8 h 30 min
